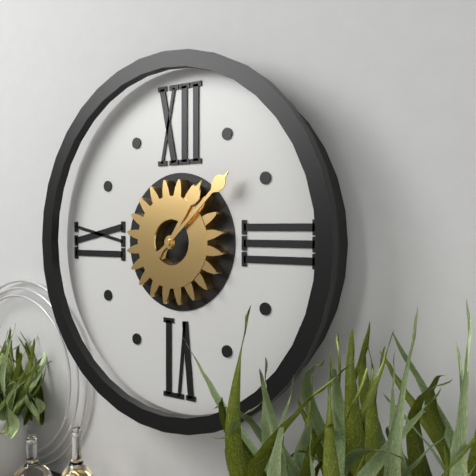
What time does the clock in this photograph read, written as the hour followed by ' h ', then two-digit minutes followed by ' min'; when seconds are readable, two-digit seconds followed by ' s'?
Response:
1 h 08 min
